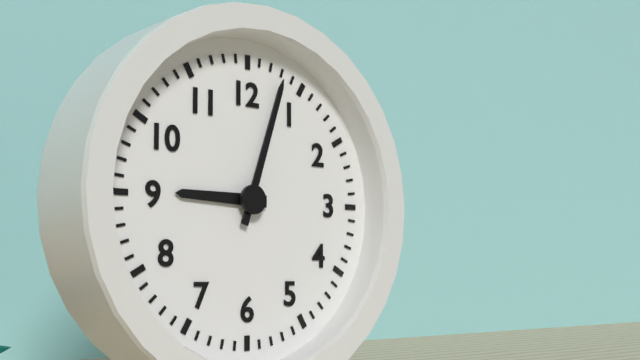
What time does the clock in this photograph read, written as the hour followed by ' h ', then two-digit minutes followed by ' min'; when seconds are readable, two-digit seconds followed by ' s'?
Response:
9 h 03 min
